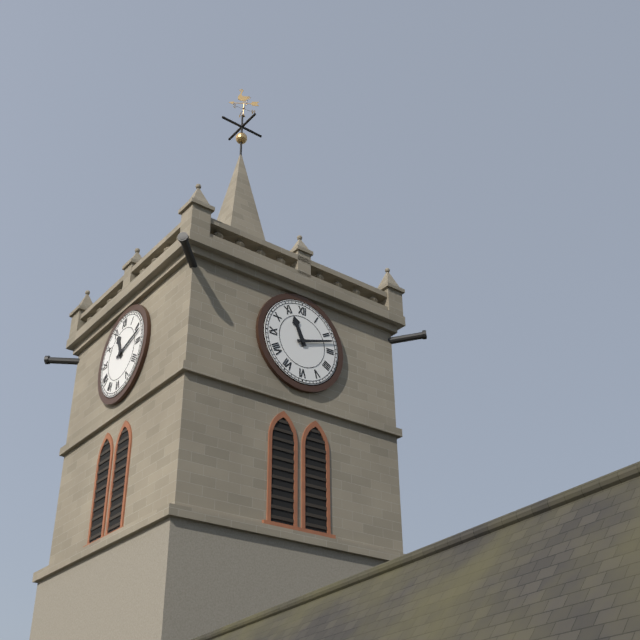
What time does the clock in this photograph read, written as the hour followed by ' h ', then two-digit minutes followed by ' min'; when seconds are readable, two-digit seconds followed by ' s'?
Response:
11 h 12 min
